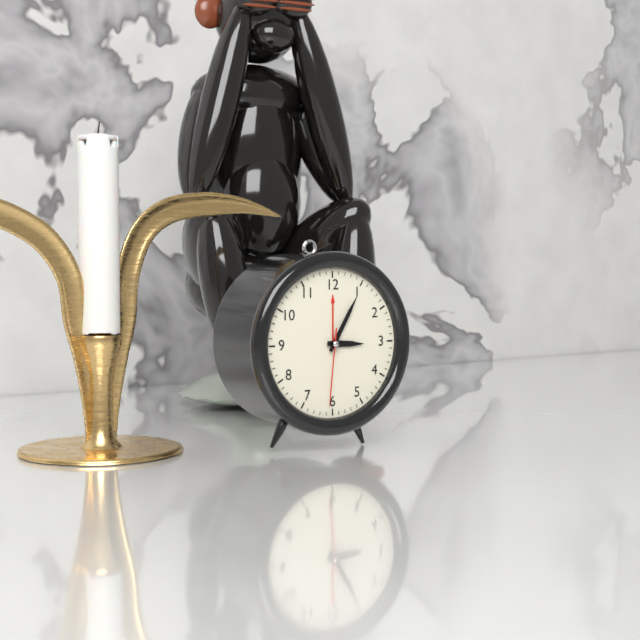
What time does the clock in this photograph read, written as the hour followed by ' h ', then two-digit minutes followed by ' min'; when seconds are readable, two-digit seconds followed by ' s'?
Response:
3 h 05 min 31 s
